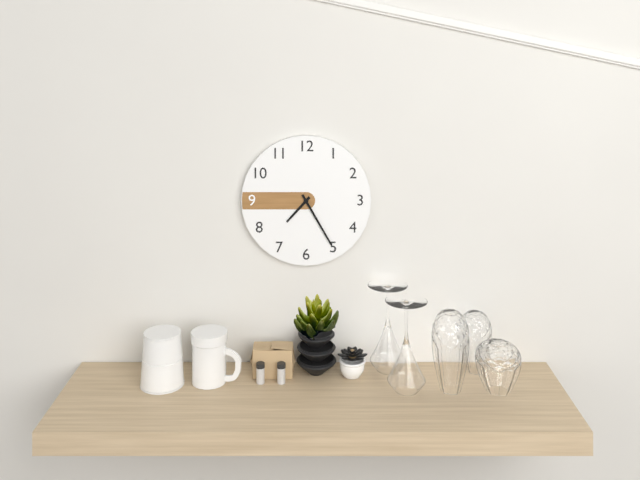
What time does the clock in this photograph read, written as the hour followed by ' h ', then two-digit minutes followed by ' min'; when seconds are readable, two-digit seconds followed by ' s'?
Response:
7 h 25 min
